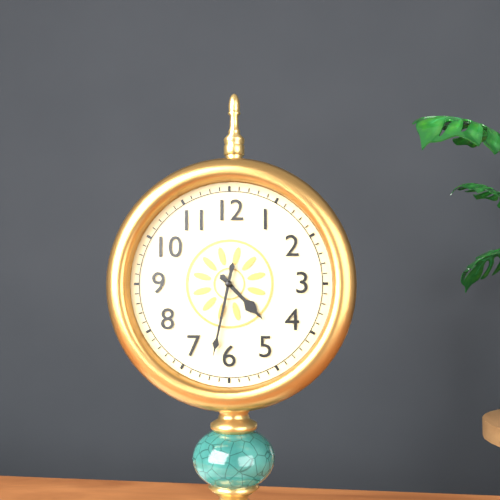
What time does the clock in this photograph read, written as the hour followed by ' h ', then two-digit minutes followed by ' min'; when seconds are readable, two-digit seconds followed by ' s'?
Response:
4 h 32 min
